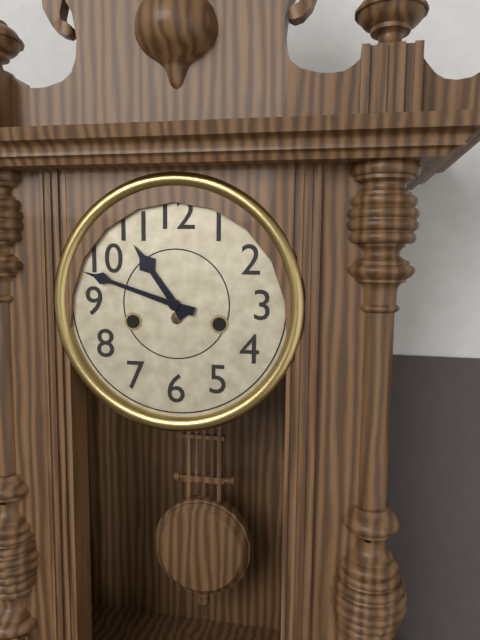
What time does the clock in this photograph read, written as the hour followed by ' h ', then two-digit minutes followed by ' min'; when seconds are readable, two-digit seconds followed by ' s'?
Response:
10 h 48 min
